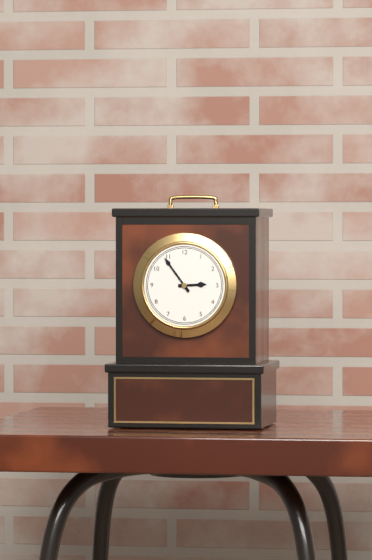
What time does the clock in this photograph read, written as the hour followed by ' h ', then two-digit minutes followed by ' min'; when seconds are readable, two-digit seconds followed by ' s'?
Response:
2 h 54 min
